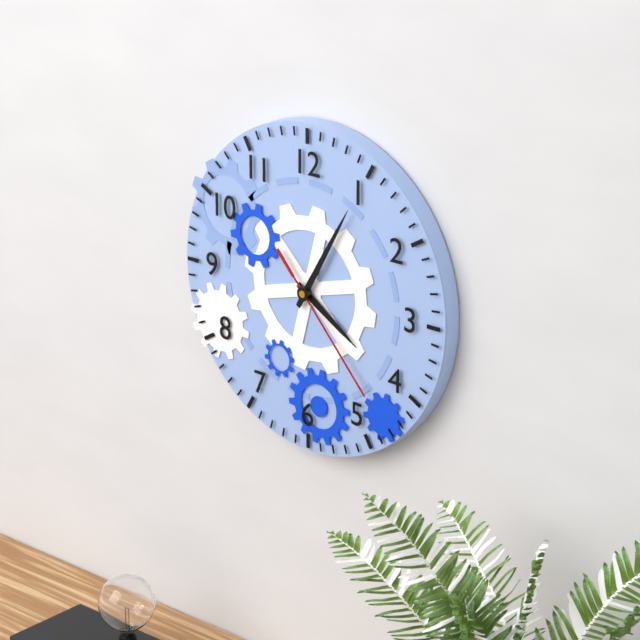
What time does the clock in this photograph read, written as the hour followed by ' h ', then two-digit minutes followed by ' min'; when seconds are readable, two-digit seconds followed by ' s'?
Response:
4 h 05 min 23 s
